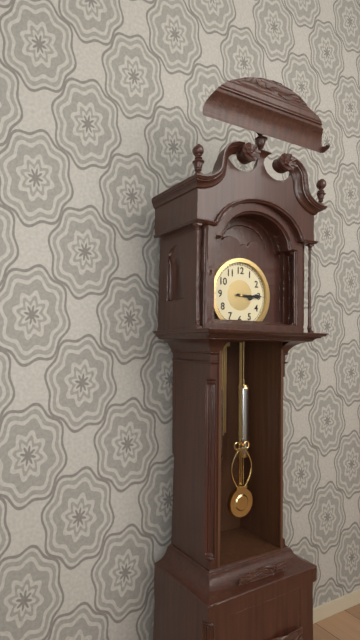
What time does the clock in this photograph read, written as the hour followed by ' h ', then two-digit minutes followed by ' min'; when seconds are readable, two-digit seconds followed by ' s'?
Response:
3 h 15 min
